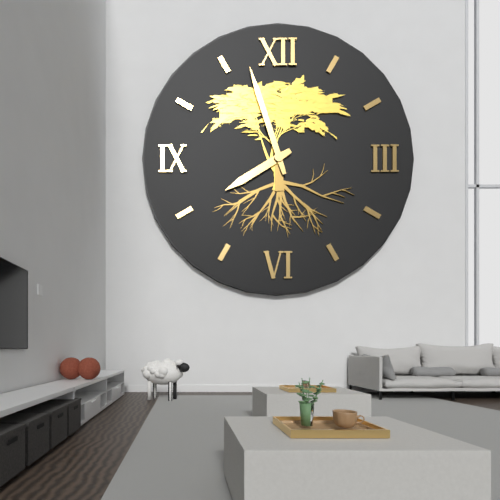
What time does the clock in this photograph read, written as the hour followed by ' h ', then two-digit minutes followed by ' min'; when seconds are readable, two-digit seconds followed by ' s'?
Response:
7 h 57 min
